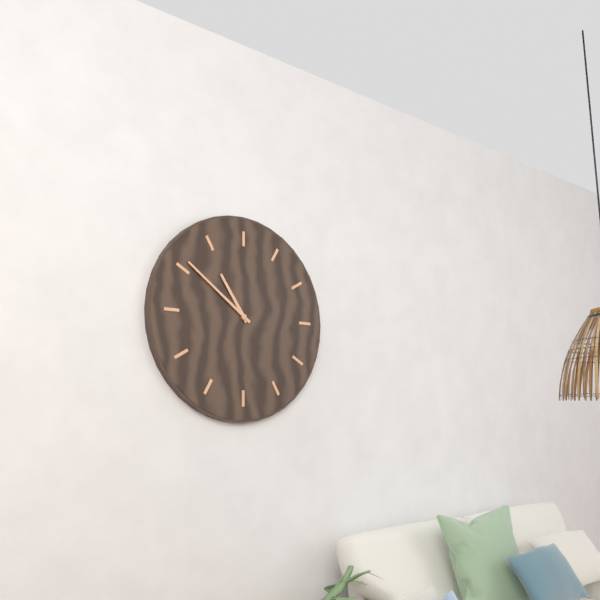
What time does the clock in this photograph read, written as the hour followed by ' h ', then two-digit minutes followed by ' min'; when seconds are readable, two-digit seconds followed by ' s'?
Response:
10 h 51 min
